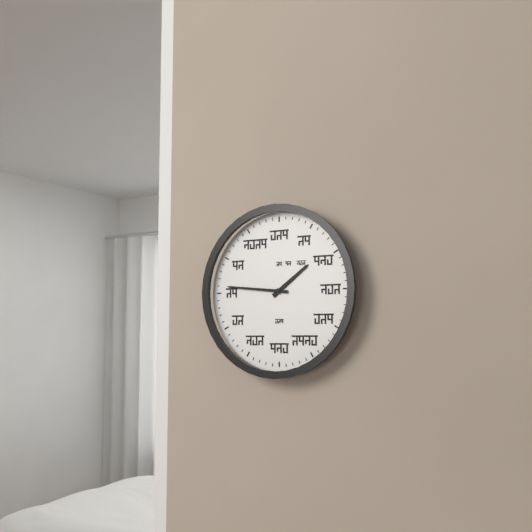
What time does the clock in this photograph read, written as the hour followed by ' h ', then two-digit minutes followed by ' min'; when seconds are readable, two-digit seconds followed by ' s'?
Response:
1 h 46 min
